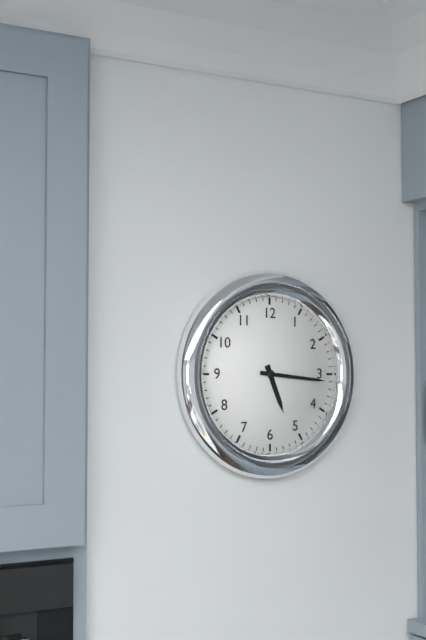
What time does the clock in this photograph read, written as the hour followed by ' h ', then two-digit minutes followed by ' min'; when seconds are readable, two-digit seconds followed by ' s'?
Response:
5 h 16 min
